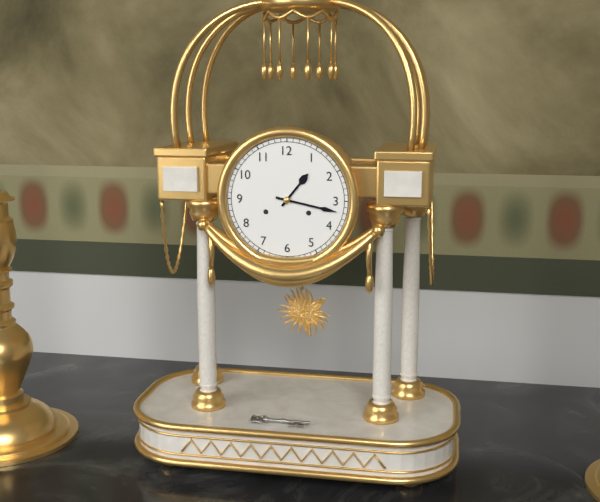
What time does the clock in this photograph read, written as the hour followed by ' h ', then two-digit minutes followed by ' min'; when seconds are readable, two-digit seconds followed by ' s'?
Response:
1 h 17 min
